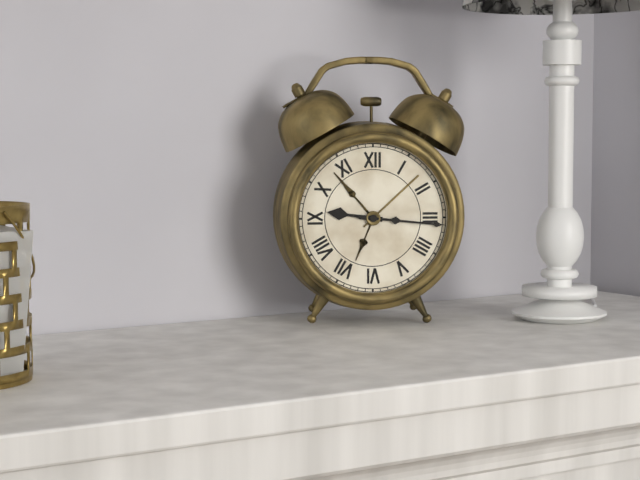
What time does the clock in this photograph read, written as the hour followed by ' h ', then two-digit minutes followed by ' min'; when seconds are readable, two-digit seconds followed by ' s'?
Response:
9 h 16 min
